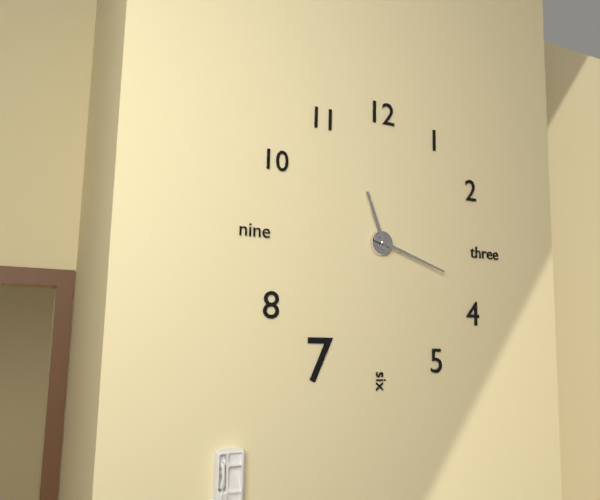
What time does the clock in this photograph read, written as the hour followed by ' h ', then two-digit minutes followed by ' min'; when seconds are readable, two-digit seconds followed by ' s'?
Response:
11 h 18 min
